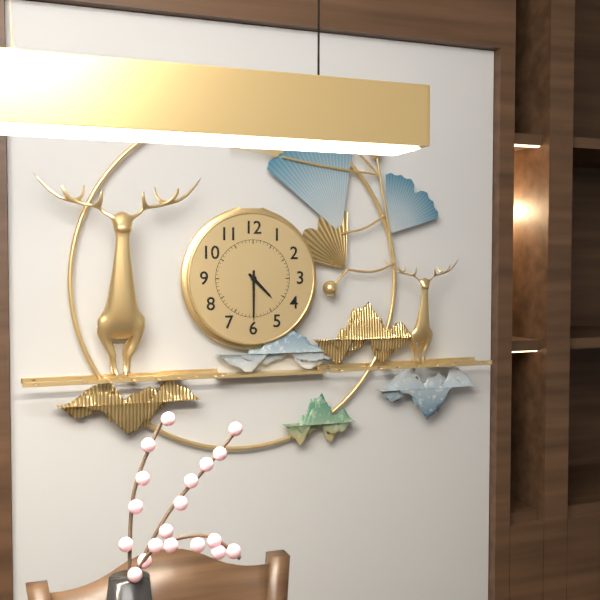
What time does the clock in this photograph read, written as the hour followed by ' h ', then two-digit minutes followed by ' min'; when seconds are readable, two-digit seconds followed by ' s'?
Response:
4 h 30 min
